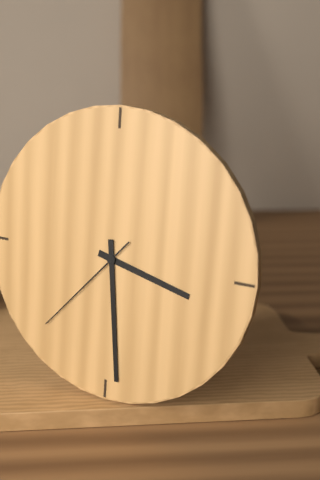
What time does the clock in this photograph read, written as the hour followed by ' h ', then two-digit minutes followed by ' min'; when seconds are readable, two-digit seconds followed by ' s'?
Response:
3 h 29 min 37 s
